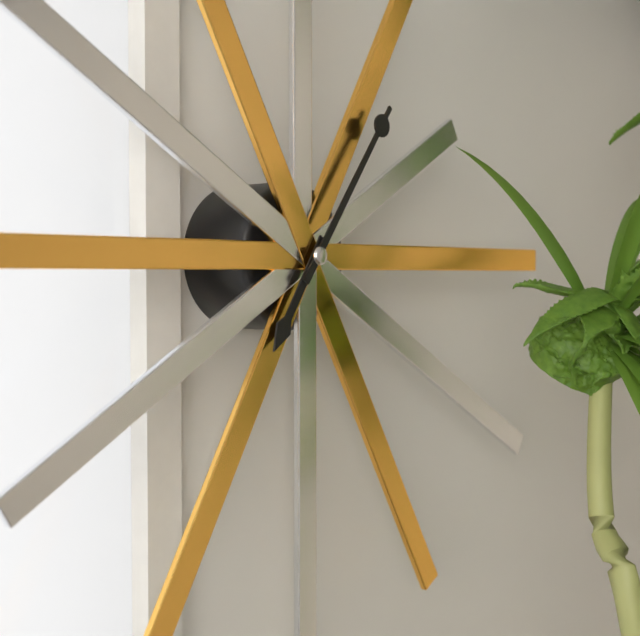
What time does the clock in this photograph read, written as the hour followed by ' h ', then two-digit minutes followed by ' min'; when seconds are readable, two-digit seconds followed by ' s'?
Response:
7 h 06 min
